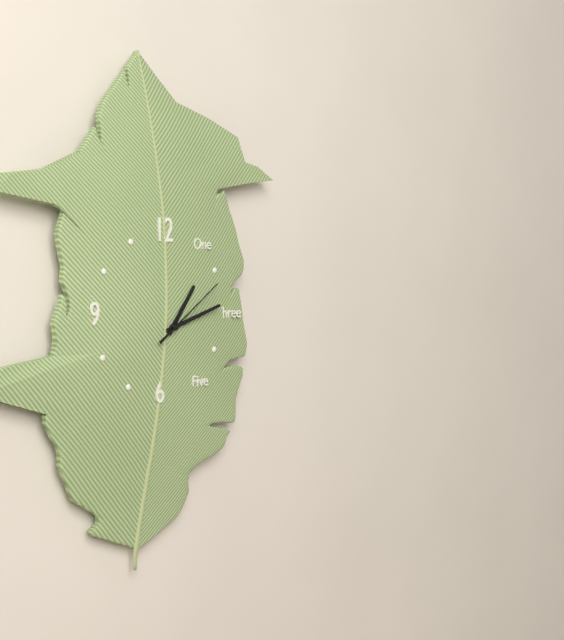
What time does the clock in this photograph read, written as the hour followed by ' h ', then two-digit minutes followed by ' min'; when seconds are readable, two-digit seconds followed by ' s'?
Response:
1 h 12 min 09 s
